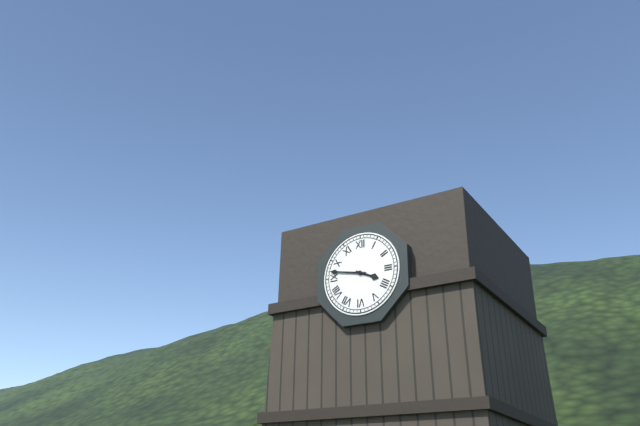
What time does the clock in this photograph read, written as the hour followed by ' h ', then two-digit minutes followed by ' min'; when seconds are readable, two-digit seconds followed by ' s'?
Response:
3 h 47 min
